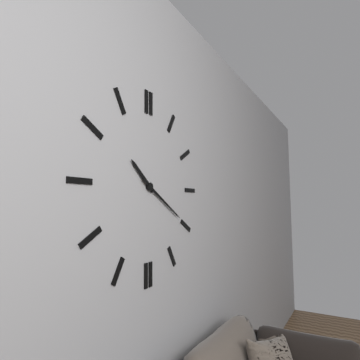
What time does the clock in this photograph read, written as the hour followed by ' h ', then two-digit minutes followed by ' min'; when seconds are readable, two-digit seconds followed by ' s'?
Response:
10 h 20 min
